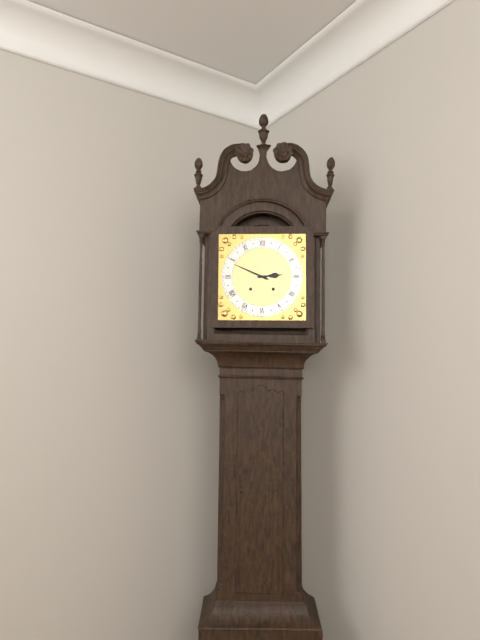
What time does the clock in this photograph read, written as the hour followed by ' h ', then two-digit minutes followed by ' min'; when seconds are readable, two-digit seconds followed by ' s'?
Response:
2 h 49 min
